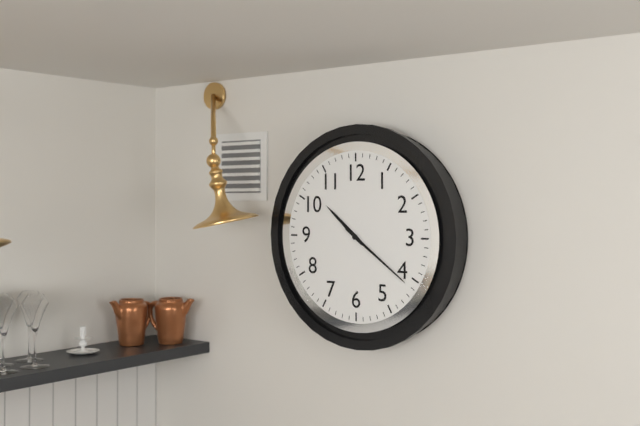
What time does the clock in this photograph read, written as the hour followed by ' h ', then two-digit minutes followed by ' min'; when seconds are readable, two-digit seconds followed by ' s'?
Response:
10 h 21 min
